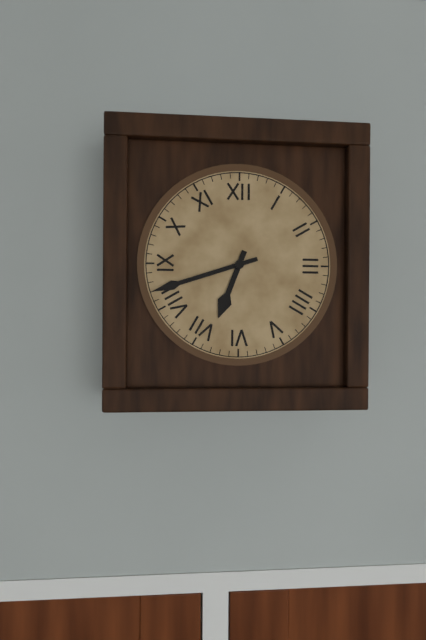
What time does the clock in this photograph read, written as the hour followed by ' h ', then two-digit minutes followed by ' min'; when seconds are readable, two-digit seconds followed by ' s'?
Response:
6 h 42 min
